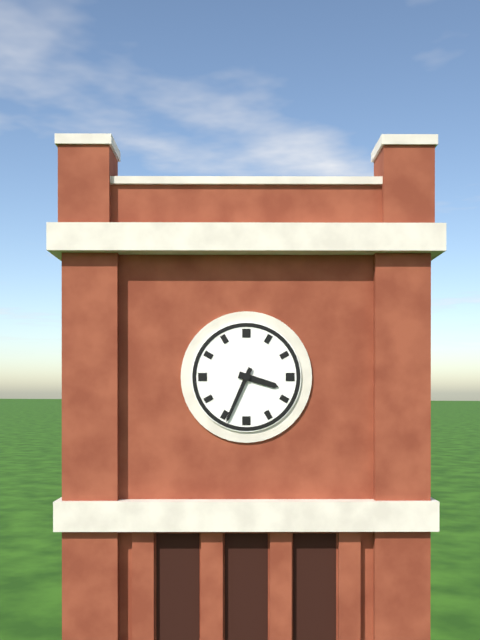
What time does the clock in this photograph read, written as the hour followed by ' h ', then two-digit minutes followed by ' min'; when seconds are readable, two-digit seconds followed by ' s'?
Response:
3 h 34 min
